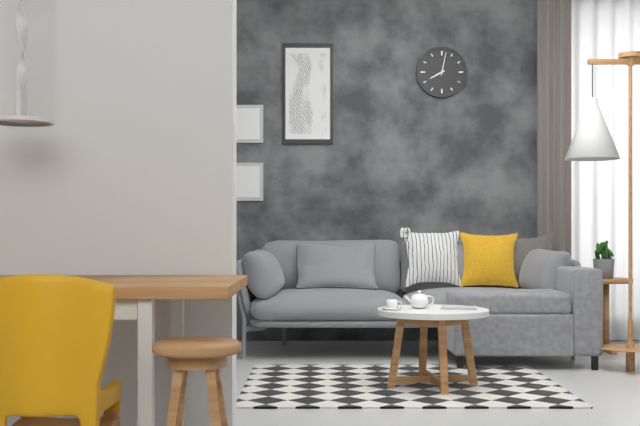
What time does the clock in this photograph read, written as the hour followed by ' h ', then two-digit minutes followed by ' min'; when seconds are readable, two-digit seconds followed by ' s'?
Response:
8 h 02 min
